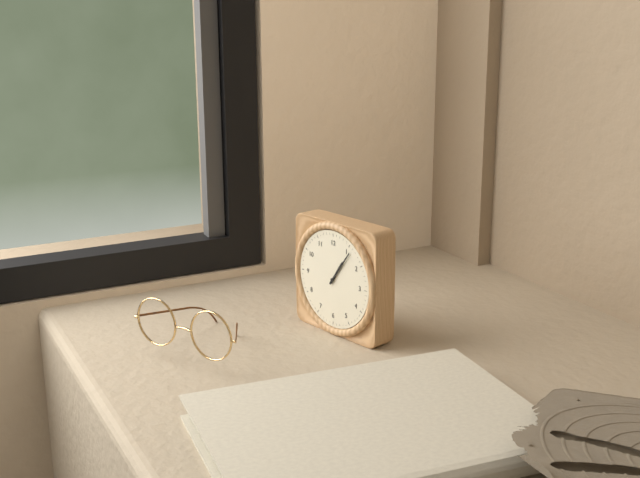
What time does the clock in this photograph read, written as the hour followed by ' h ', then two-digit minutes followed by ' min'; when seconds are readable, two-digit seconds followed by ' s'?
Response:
1 h 06 min
